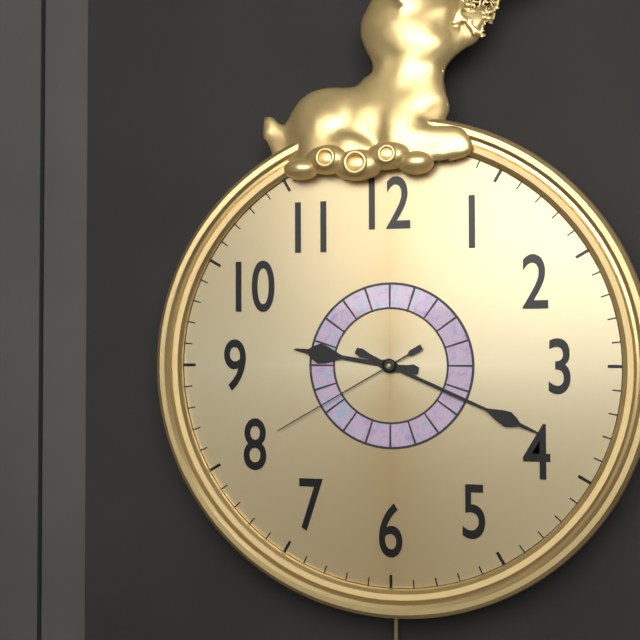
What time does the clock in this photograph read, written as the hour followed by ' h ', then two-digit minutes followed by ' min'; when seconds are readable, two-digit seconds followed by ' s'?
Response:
9 h 19 min 40 s
